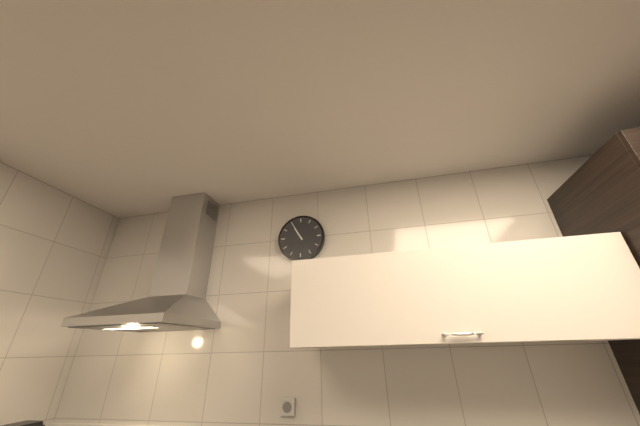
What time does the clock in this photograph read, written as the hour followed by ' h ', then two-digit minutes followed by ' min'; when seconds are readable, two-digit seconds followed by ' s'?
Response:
10 h 55 min
